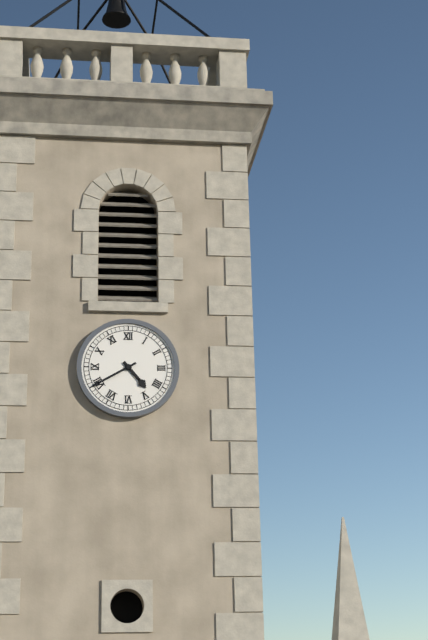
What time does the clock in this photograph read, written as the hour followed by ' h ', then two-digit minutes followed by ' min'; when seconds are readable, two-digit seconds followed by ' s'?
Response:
4 h 40 min
